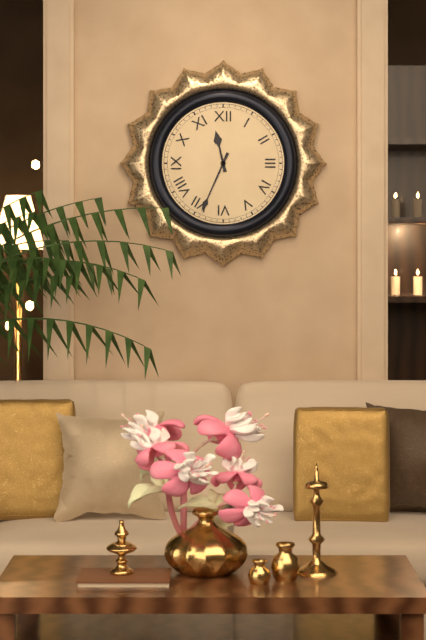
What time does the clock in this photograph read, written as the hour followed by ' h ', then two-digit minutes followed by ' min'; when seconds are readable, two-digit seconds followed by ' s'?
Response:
11 h 34 min
